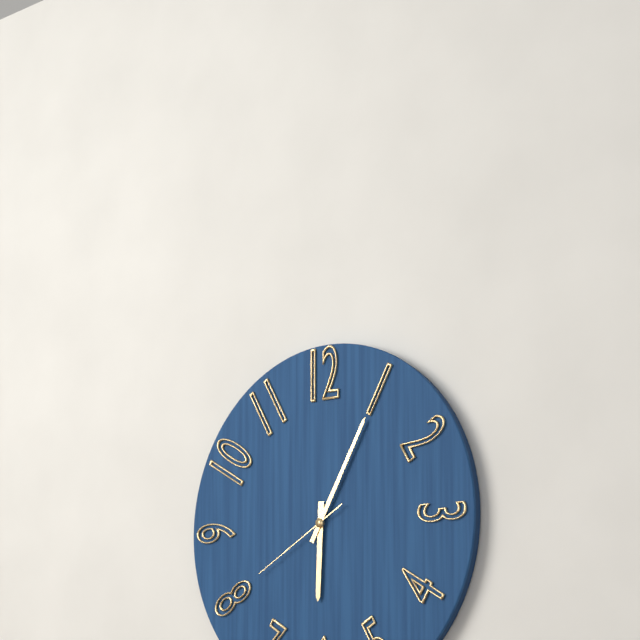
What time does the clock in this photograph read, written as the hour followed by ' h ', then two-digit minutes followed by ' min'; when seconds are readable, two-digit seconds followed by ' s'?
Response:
6 h 05 min 40 s
